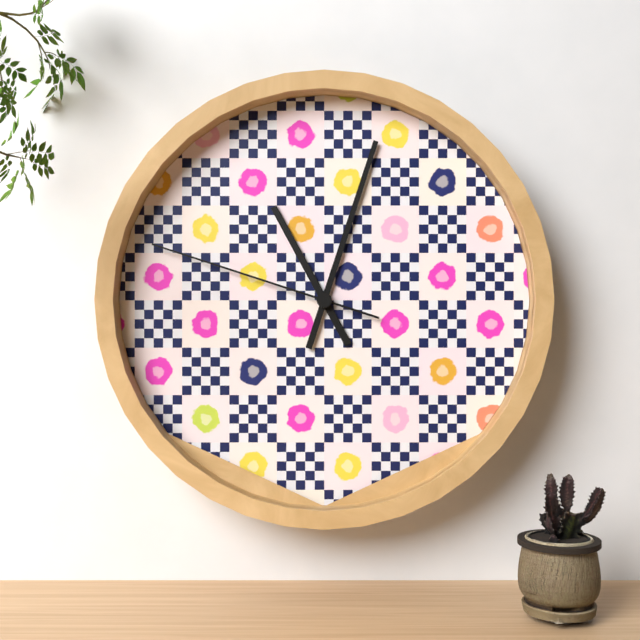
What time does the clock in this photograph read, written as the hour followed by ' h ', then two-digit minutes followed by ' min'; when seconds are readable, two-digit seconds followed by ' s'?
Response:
11 h 03 min 48 s
